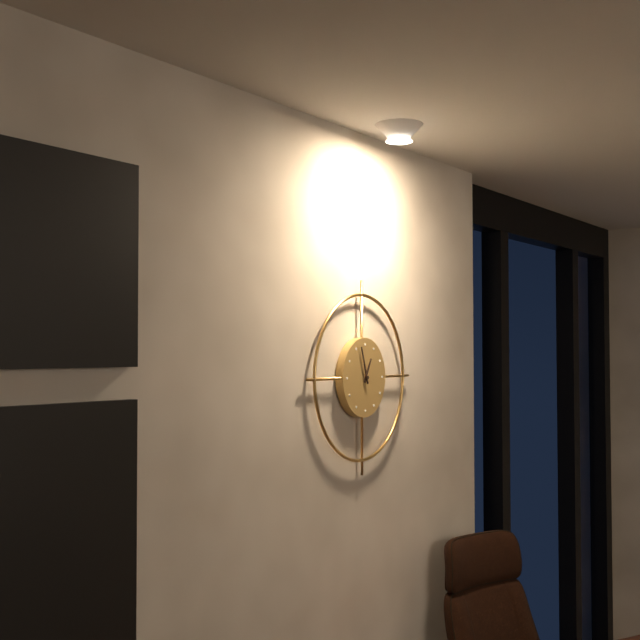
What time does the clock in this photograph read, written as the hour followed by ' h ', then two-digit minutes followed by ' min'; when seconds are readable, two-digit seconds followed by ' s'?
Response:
12 h 57 min
